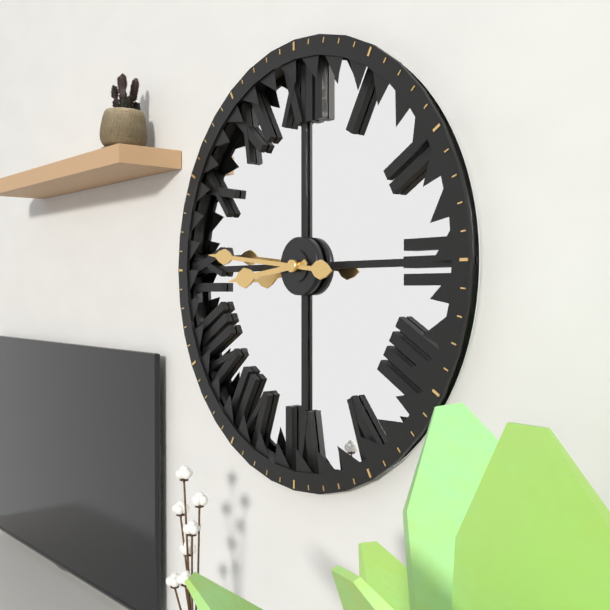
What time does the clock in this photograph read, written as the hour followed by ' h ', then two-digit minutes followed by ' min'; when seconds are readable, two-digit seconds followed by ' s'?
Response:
8 h 46 min
